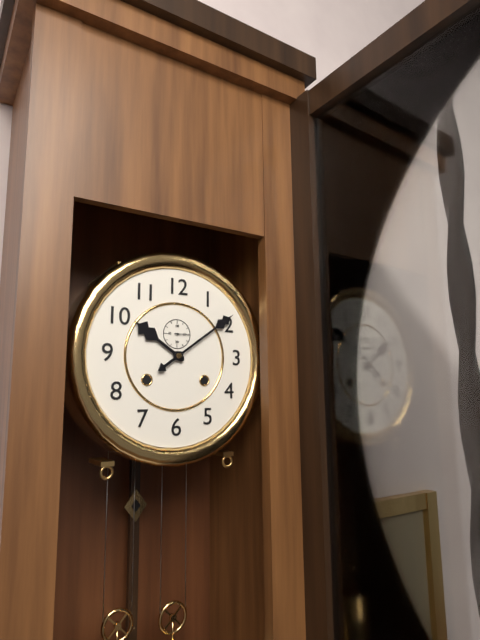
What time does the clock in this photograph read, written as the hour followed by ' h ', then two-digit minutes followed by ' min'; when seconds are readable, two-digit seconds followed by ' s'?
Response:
10 h 09 min
